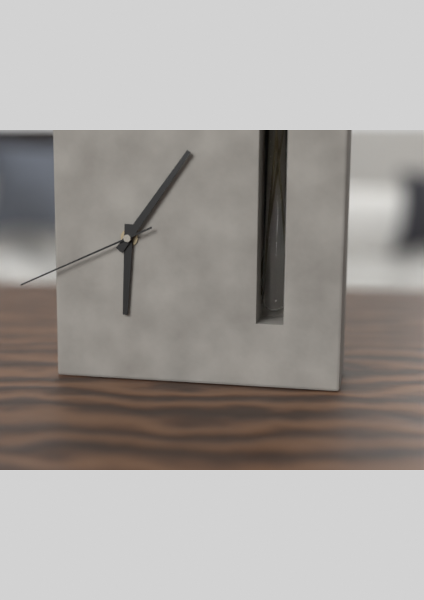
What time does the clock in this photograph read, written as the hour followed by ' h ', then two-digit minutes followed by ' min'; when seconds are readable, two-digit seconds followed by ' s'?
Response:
6 h 06 min 41 s
